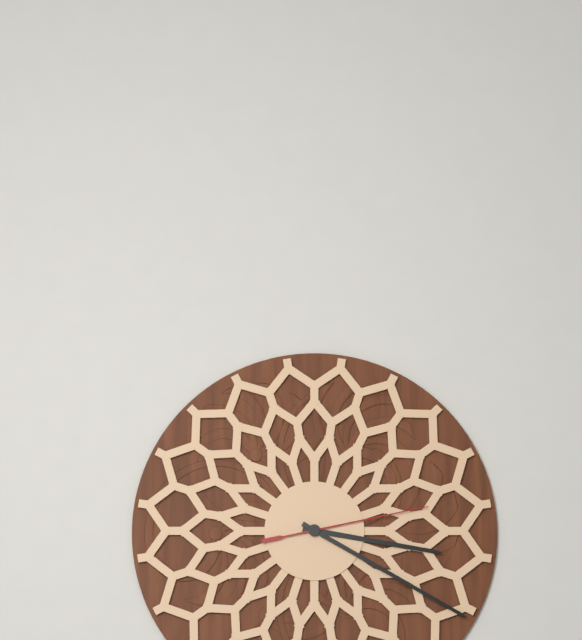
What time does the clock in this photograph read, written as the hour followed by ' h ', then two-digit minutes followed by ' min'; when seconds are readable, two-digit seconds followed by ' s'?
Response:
3 h 20 min 13 s
